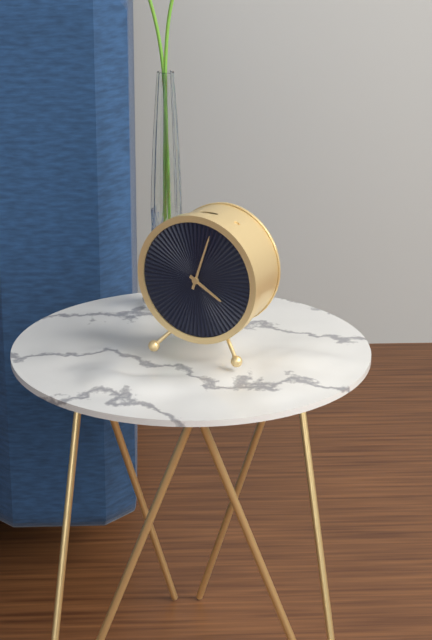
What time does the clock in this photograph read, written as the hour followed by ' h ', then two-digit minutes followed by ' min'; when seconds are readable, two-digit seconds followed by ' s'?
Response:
4 h 03 min
